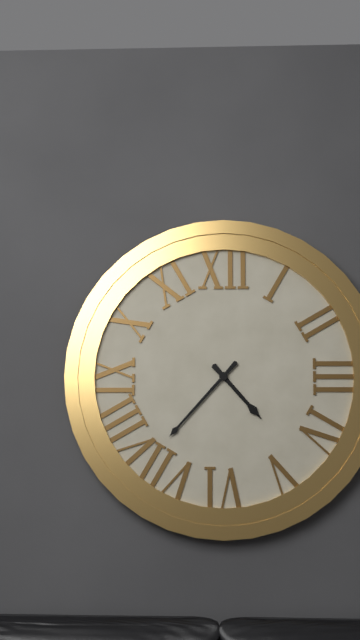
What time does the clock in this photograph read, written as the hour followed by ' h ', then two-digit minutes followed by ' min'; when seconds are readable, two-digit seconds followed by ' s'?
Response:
4 h 37 min
